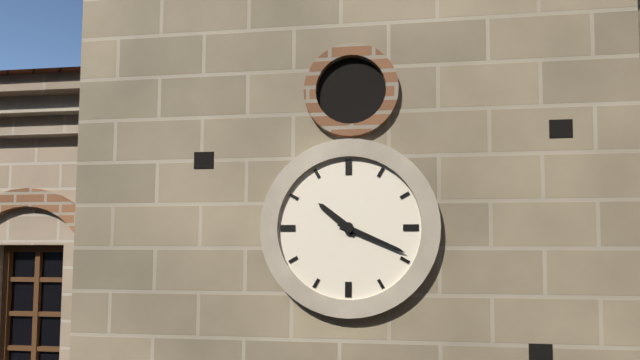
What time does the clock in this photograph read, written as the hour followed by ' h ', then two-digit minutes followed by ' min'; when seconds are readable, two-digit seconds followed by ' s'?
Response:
10 h 19 min
